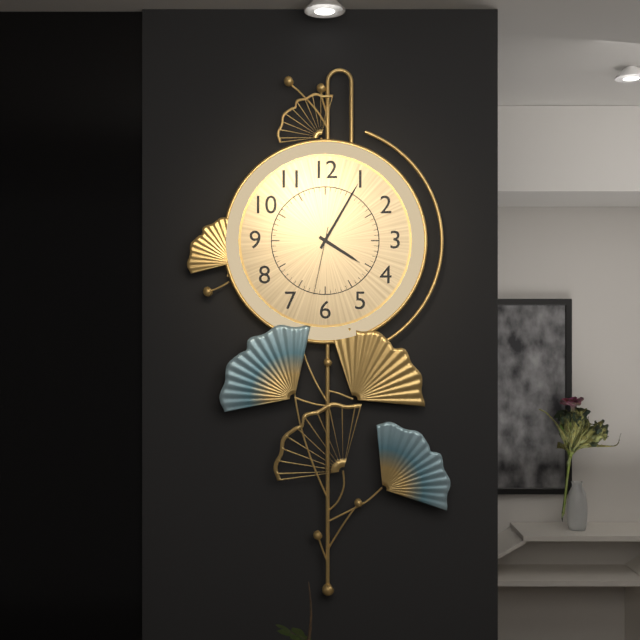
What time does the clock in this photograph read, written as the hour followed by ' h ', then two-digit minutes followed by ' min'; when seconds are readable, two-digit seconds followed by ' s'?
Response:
4 h 05 min 32 s
